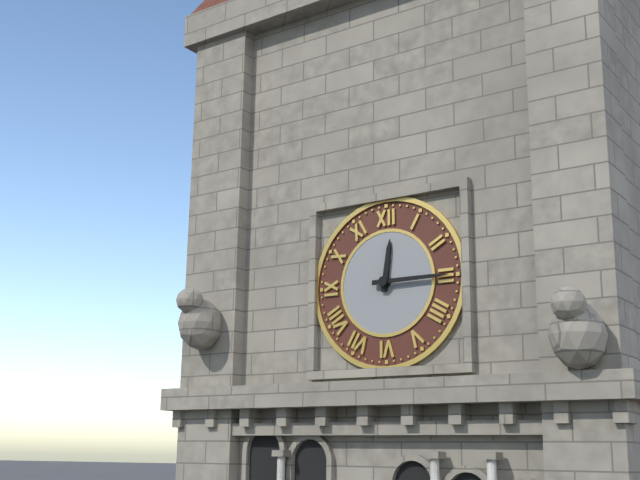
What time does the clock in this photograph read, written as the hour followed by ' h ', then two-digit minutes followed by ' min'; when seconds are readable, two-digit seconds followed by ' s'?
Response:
12 h 15 min
